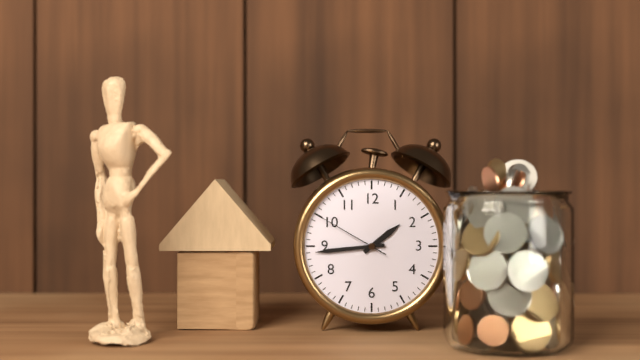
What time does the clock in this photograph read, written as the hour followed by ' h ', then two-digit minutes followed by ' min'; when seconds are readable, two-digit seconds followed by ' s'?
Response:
1 h 44 min 50 s
